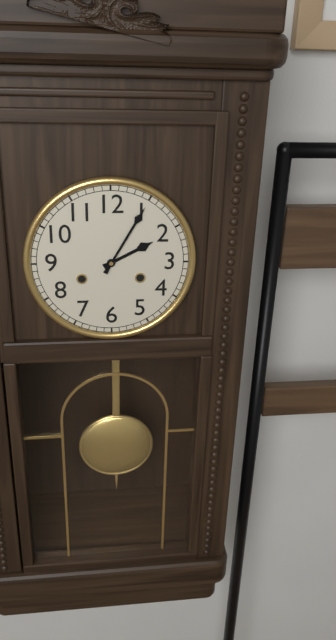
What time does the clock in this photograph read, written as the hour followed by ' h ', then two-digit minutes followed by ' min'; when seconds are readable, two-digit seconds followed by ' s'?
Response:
2 h 05 min
